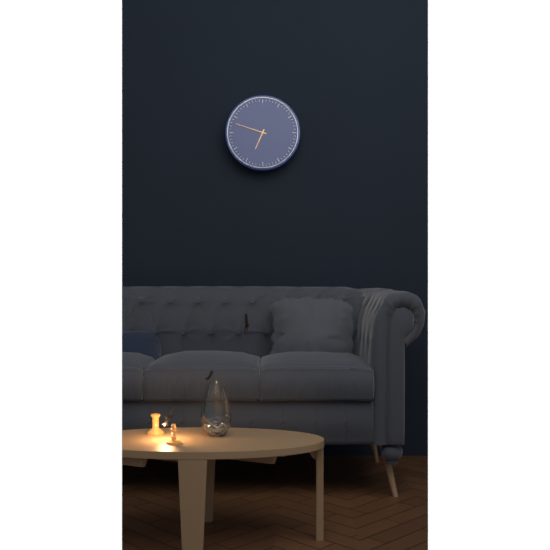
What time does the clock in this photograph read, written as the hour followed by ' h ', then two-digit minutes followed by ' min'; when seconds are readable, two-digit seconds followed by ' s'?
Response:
6 h 48 min
